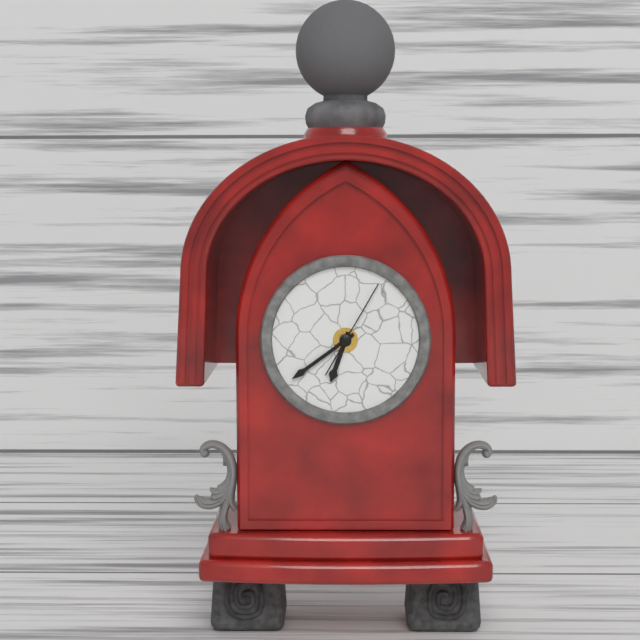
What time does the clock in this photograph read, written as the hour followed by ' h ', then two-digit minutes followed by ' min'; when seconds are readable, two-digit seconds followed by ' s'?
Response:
6 h 39 min 05 s
